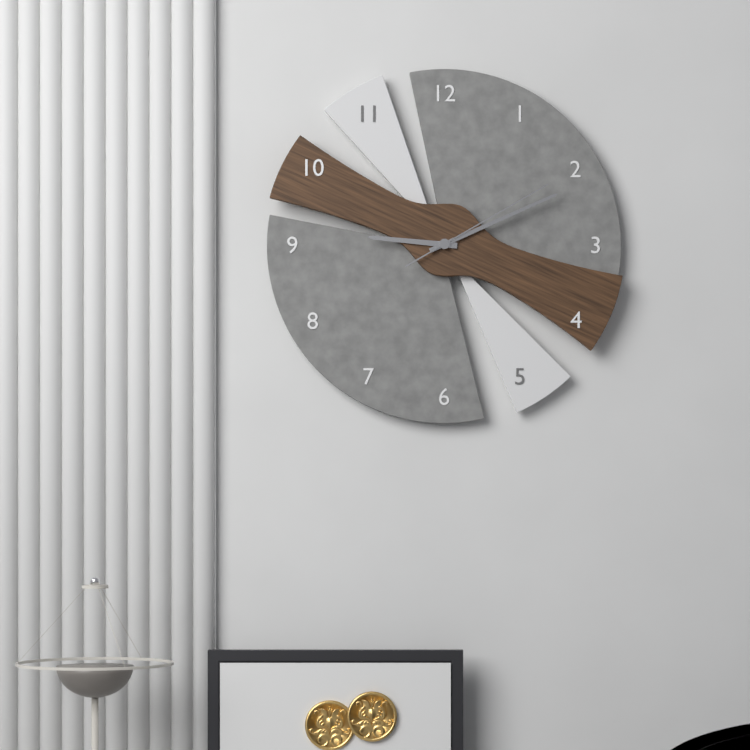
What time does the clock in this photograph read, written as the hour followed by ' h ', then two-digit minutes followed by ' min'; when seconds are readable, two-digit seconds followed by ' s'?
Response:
9 h 11 min 10 s
